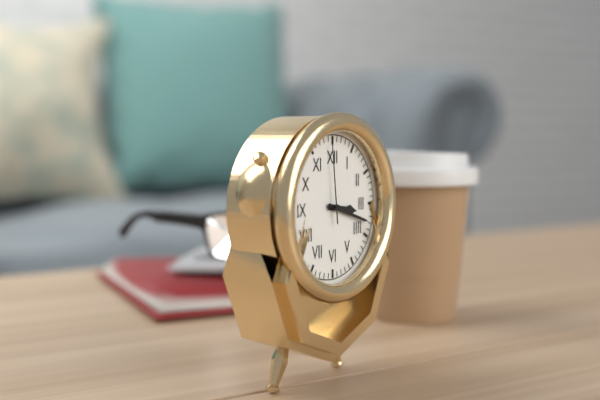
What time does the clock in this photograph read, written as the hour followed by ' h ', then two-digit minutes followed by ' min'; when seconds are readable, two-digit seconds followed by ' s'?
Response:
3 h 18 min 59 s
